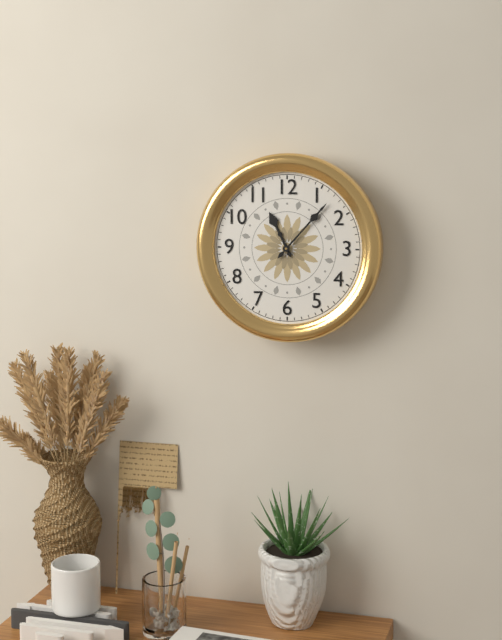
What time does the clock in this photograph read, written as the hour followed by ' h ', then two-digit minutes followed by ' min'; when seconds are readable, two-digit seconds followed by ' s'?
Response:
11 h 07 min
